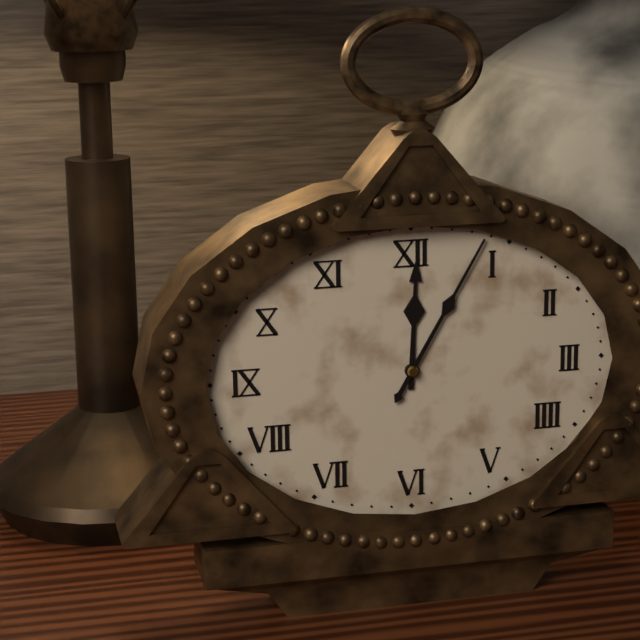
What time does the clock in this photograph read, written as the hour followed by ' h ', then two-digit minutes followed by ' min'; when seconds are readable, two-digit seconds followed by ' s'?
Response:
12 h 05 min
